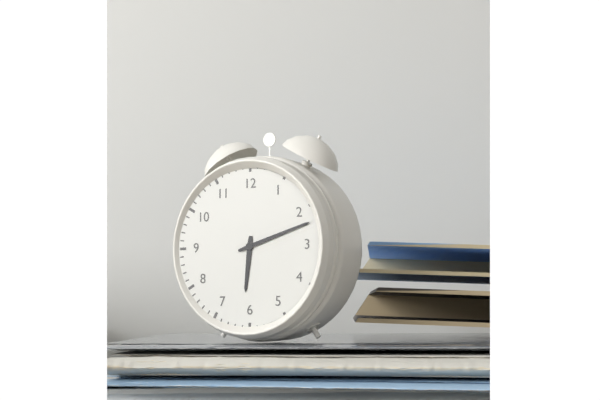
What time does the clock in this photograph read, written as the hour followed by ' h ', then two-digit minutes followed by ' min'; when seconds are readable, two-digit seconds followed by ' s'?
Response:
6 h 12 min
